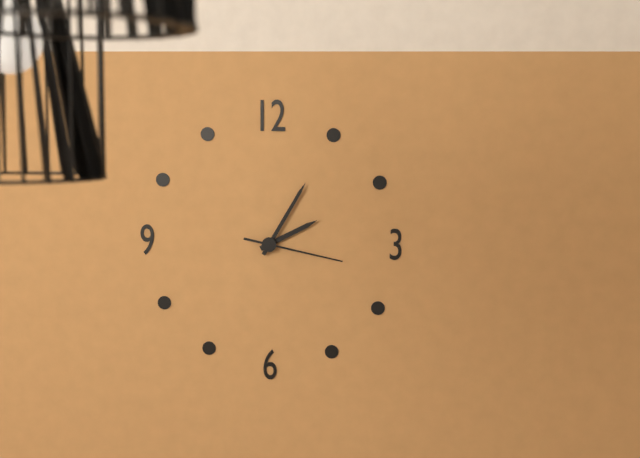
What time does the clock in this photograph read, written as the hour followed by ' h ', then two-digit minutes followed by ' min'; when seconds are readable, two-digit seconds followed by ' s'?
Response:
2 h 05 min 17 s
